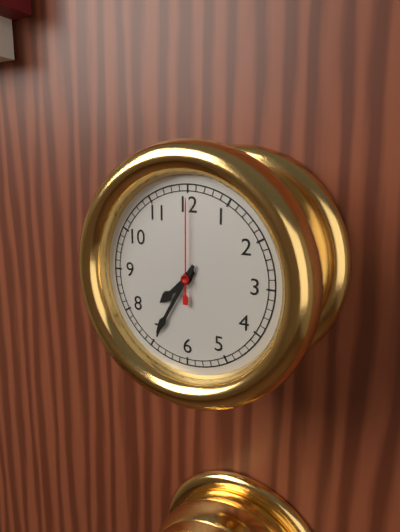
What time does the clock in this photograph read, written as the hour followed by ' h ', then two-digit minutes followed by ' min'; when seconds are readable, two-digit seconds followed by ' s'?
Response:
7 h 35 min 00 s
